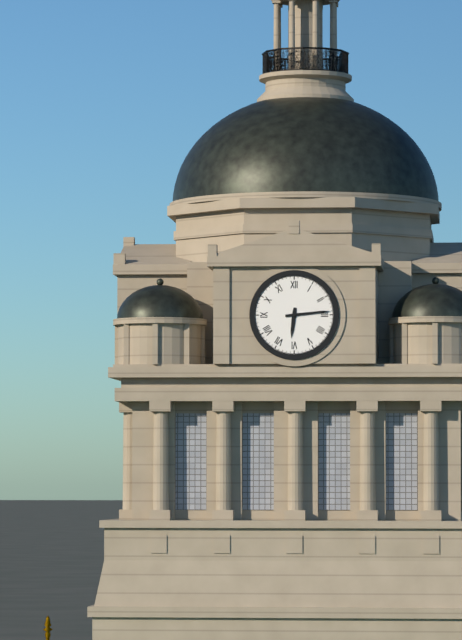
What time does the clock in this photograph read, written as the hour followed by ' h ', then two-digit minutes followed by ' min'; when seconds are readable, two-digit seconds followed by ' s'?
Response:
6 h 14 min
